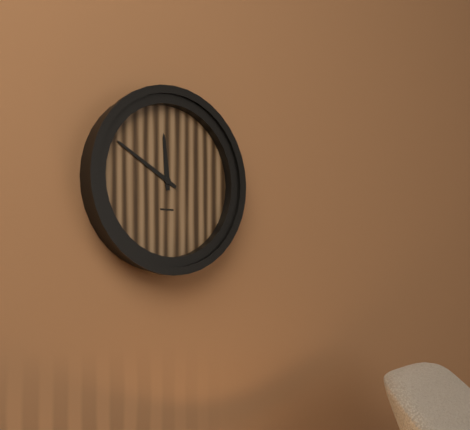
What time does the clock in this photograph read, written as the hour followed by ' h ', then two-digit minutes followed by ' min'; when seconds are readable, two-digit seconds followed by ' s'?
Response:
11 h 50 min
